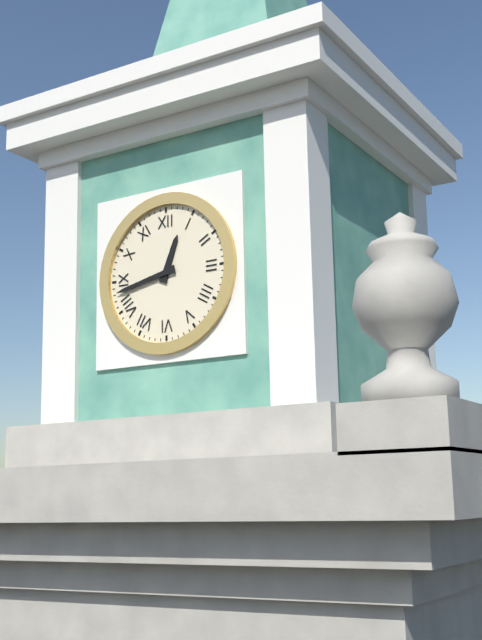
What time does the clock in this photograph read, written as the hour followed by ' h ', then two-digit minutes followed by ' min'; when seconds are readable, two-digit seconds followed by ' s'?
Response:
12 h 43 min
